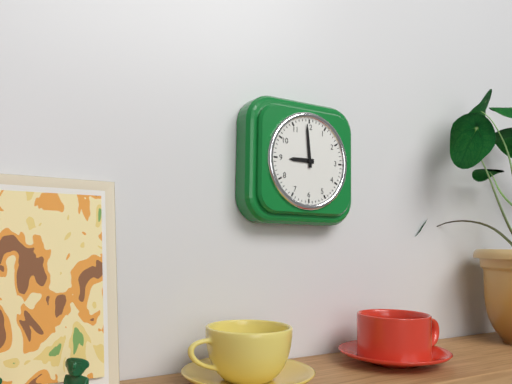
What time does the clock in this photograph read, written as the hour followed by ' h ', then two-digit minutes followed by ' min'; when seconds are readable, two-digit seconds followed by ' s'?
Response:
8 h 59 min
